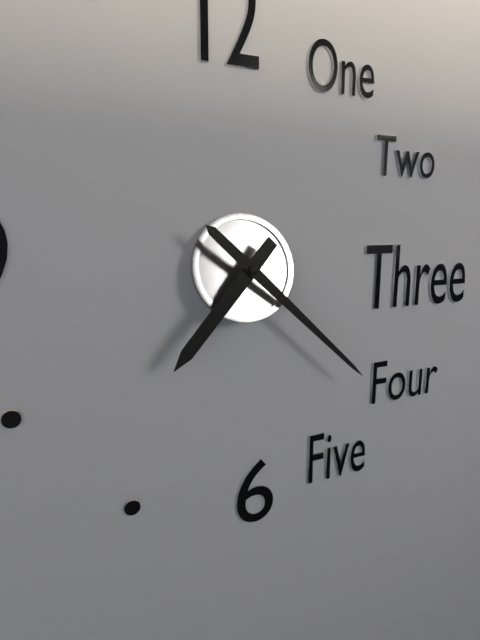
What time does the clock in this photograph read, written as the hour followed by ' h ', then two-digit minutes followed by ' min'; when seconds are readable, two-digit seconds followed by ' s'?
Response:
7 h 22 min
